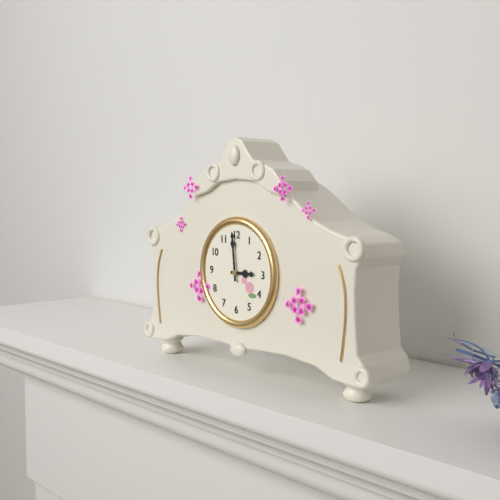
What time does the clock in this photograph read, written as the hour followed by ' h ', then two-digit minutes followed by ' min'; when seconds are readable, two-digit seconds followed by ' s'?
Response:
2 h 59 min
